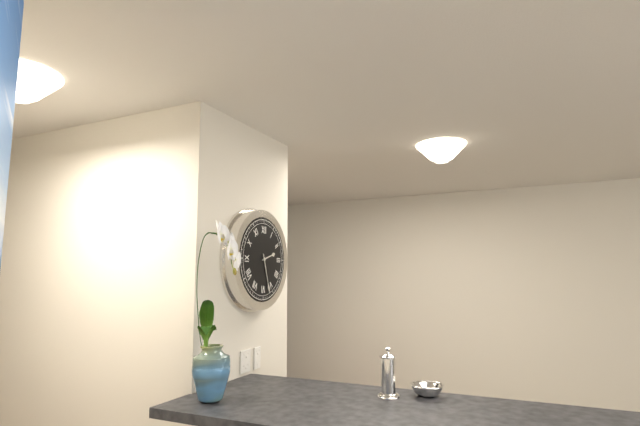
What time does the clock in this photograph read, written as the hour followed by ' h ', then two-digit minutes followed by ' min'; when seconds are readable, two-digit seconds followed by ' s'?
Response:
2 h 27 min
